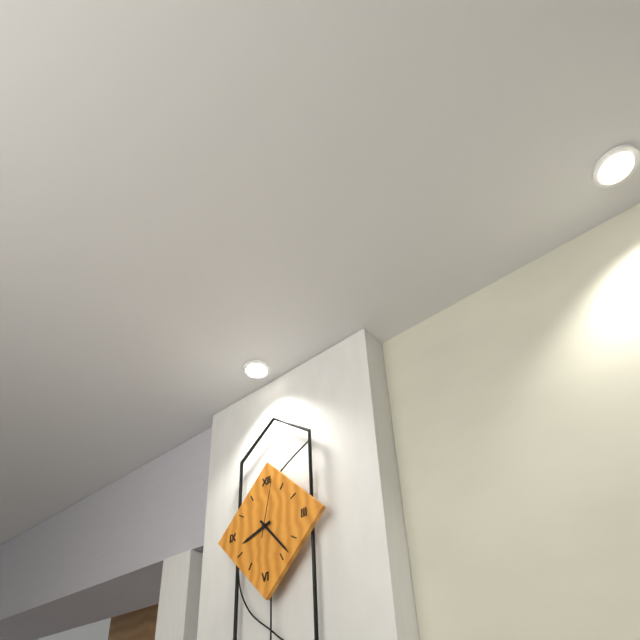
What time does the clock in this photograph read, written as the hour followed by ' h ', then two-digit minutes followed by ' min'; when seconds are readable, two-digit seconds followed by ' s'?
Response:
8 h 23 min 02 s
